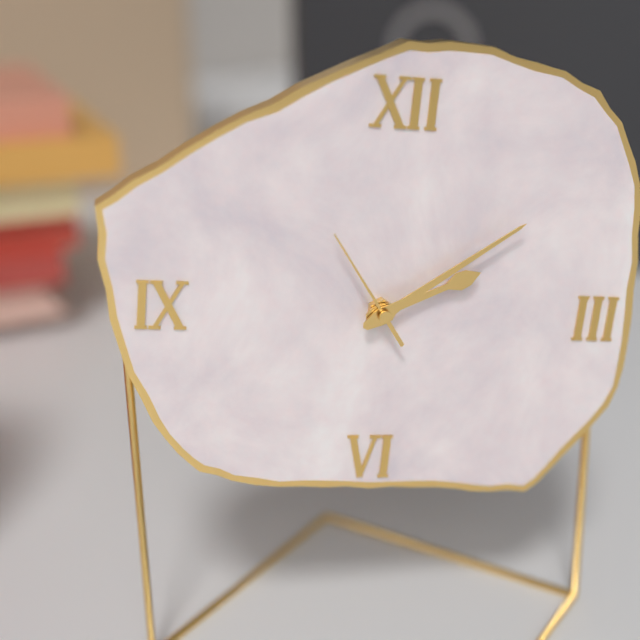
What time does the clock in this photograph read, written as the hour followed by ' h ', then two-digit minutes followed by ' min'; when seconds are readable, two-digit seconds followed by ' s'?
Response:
2 h 09 min 54 s
